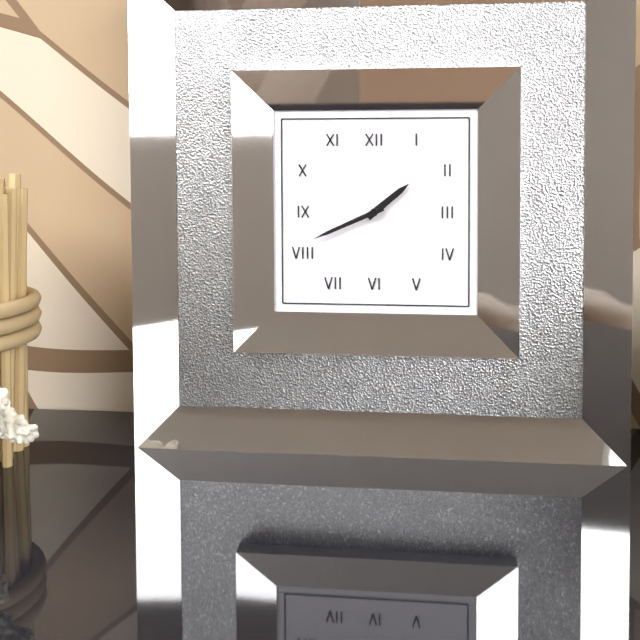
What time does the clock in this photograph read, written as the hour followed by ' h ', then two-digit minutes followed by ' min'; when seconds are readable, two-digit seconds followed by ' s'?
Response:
1 h 41 min
